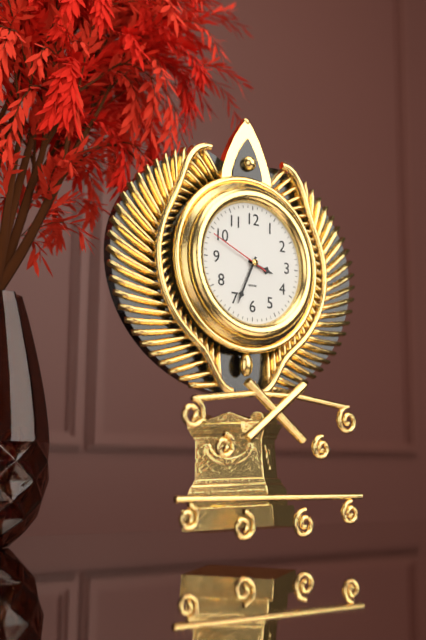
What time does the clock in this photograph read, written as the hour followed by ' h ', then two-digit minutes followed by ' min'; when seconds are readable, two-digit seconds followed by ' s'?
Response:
3 h 34 min 49 s
